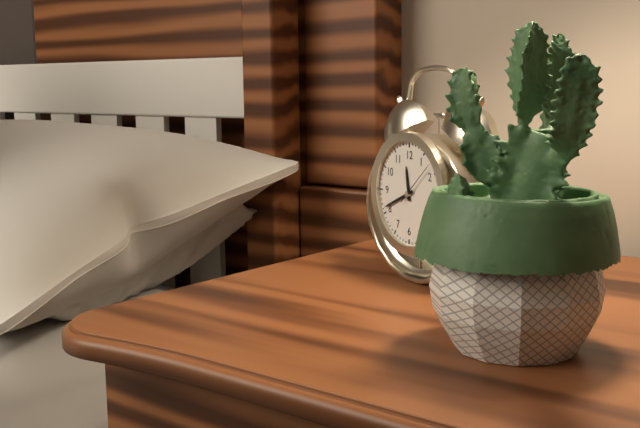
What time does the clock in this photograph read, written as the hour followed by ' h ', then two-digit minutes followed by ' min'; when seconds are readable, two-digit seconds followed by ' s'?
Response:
11 h 41 min
